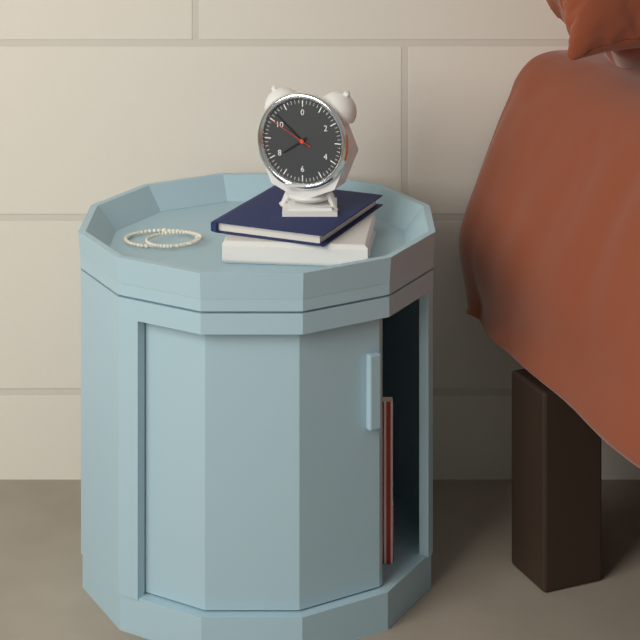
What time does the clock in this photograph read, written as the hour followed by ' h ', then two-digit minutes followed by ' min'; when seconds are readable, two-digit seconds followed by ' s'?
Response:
7 h 52 min
